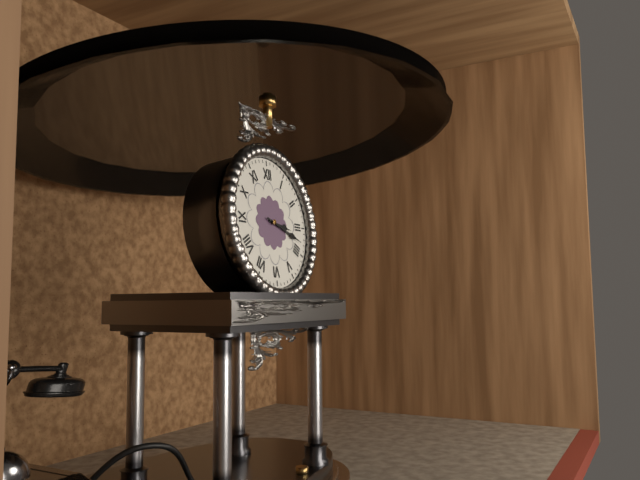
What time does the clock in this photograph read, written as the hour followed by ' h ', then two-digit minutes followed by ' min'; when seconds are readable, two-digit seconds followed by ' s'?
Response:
3 h 18 min
